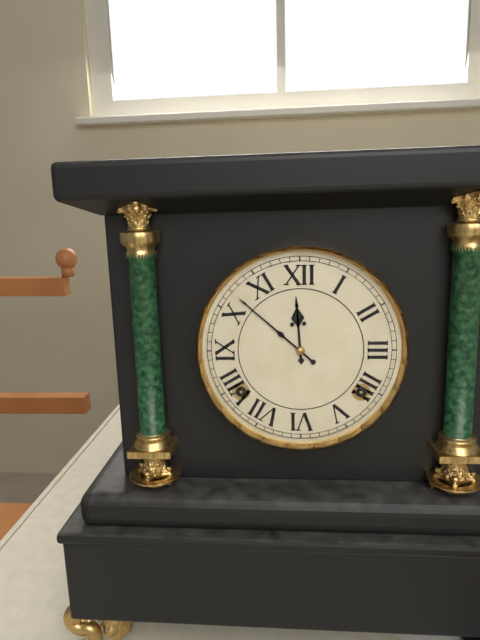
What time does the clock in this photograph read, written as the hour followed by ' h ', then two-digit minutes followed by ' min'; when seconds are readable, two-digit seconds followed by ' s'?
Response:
11 h 52 min
